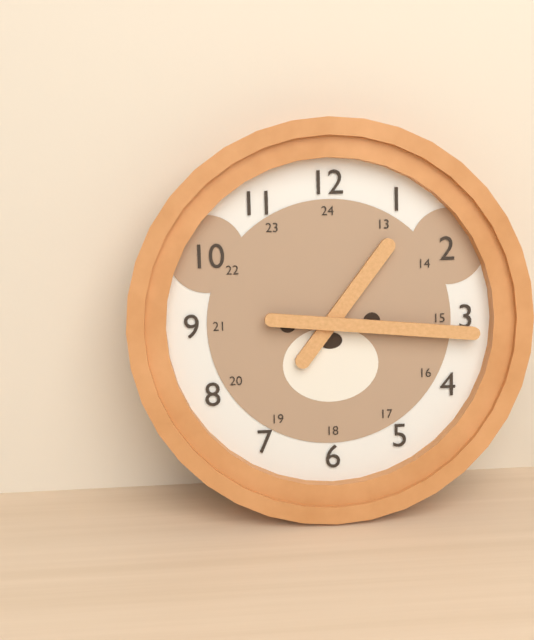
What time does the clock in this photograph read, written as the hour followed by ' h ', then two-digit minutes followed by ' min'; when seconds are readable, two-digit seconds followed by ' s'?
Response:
1 h 16 min
